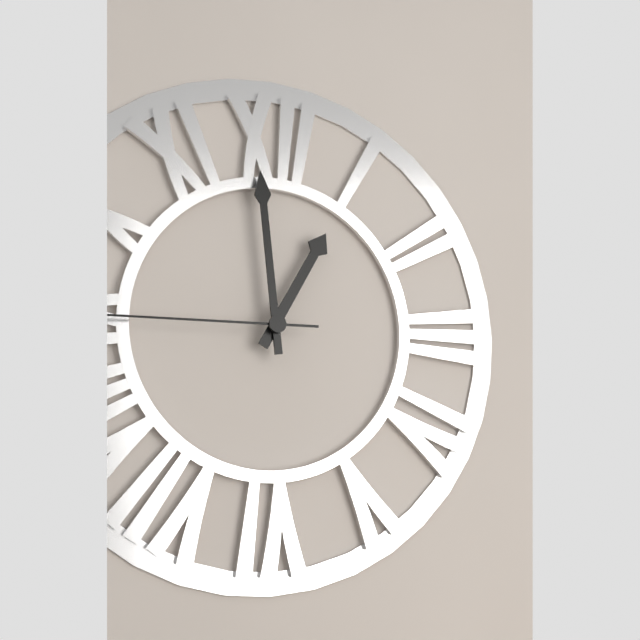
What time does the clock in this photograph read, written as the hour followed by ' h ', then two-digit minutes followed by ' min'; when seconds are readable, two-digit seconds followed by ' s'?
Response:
12 h 59 min 45 s
